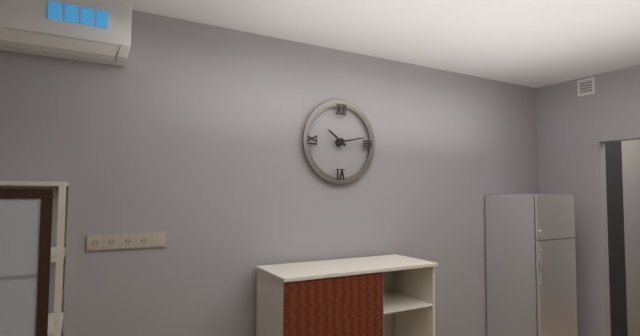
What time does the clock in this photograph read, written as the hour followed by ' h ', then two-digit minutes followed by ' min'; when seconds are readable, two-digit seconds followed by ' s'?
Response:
10 h 13 min
